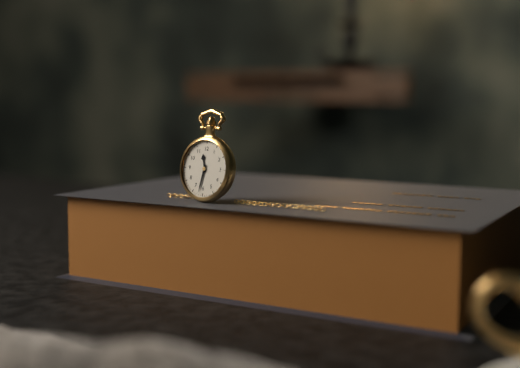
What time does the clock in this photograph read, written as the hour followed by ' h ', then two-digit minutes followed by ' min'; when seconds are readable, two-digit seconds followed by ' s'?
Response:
11 h 32 min
